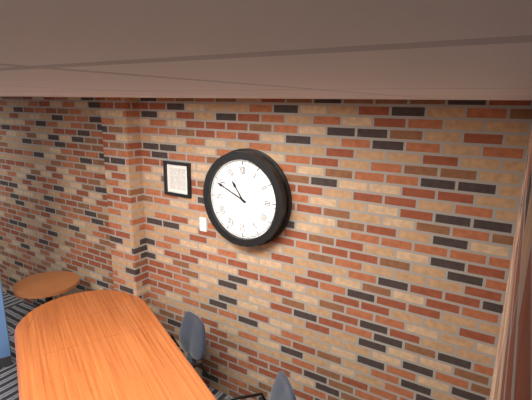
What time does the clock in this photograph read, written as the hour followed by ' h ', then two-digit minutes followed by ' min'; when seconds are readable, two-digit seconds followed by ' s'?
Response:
10 h 49 min
